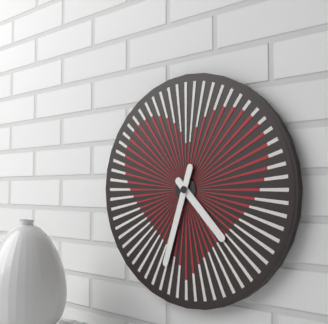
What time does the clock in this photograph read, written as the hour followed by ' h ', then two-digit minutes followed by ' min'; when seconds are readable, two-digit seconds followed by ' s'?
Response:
4 h 33 min
